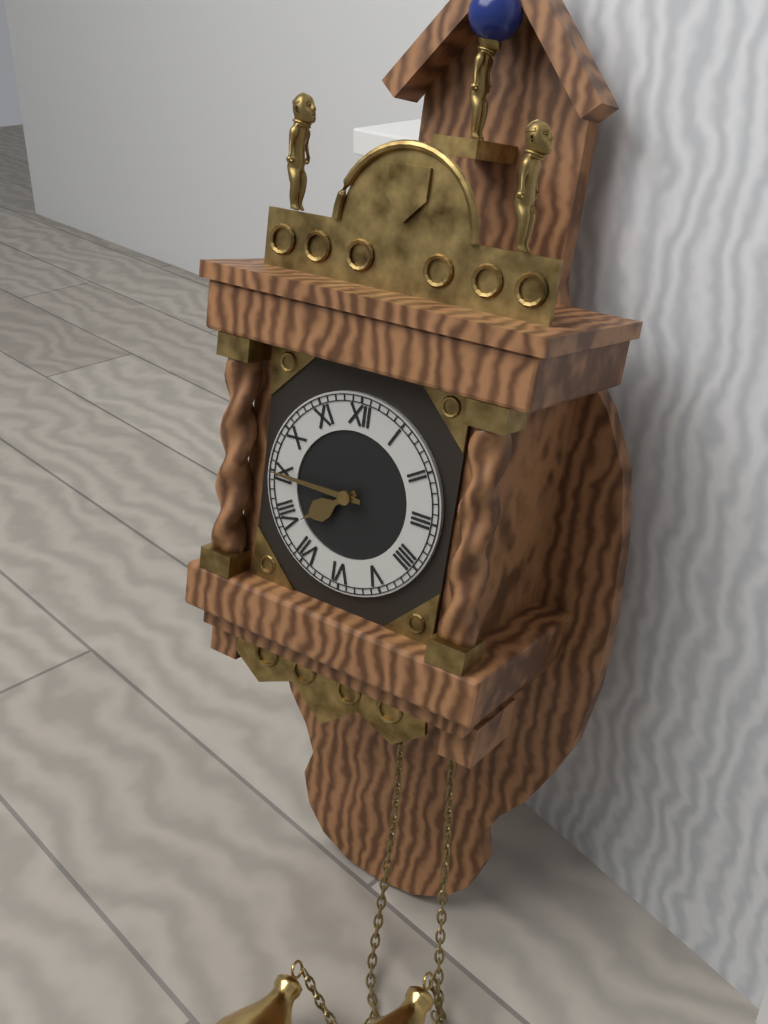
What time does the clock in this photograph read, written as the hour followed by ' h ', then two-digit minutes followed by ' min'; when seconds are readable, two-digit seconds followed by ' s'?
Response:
7 h 45 min
